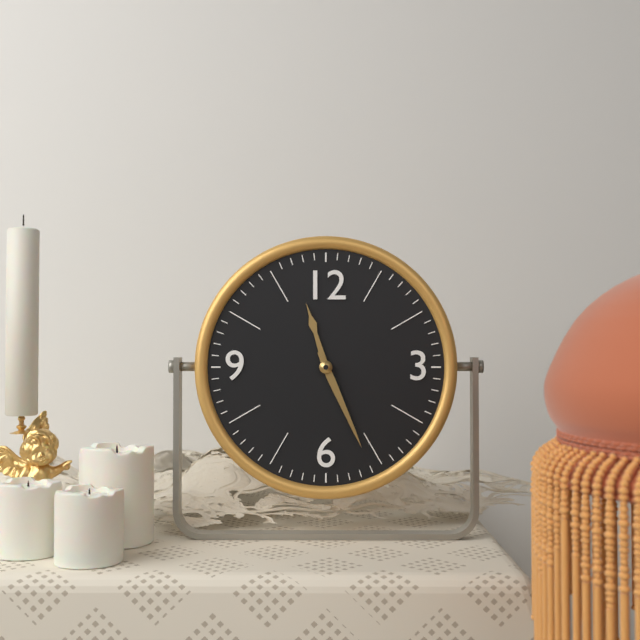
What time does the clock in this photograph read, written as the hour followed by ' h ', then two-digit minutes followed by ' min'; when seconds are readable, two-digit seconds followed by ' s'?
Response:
11 h 26 min
